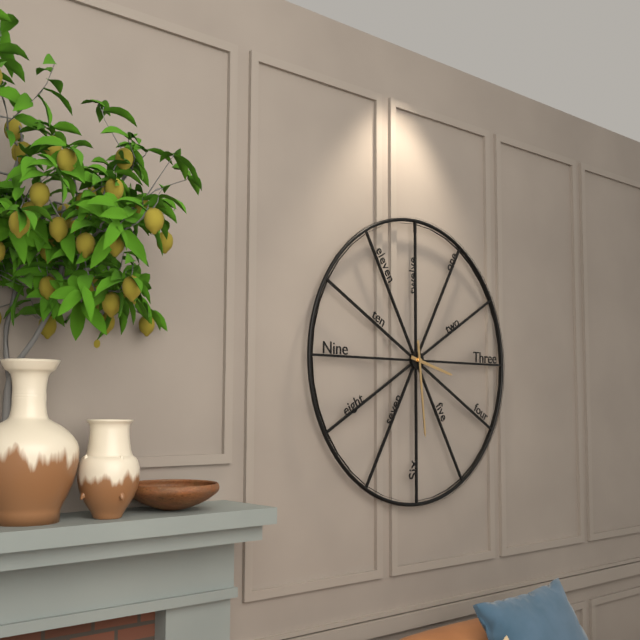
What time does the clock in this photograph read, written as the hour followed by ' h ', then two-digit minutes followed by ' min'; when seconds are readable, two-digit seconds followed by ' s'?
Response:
3 h 29 min
